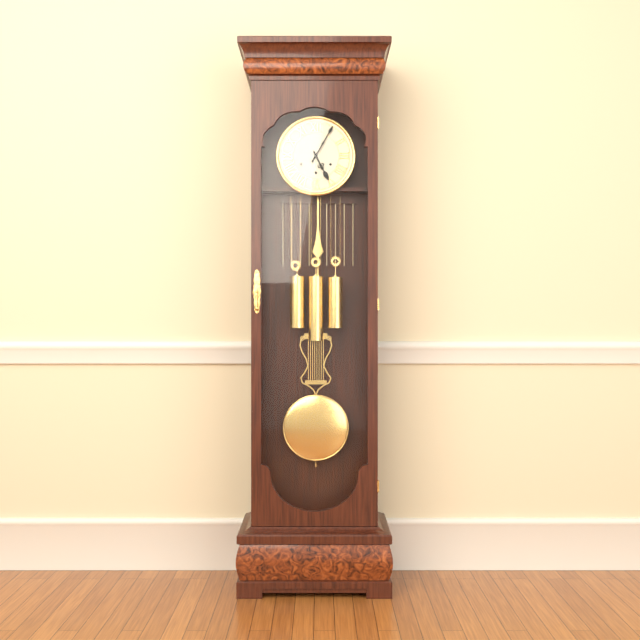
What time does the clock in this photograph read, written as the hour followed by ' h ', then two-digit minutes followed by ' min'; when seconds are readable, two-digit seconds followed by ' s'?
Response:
5 h 05 min
